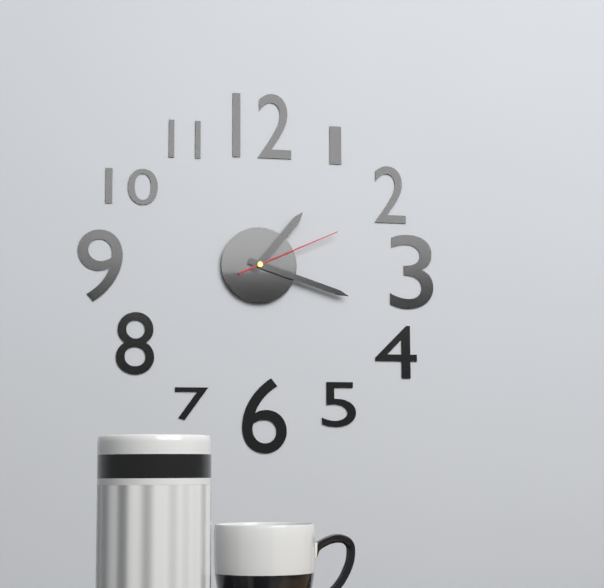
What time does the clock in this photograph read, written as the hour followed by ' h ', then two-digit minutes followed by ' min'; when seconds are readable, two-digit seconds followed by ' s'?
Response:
1 h 18 min 11 s
